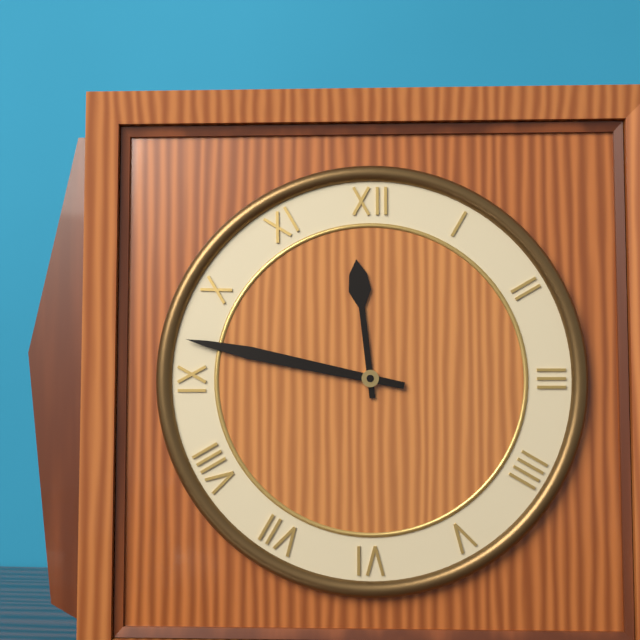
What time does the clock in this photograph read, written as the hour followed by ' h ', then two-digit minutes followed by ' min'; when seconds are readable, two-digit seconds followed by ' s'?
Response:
11 h 47 min
